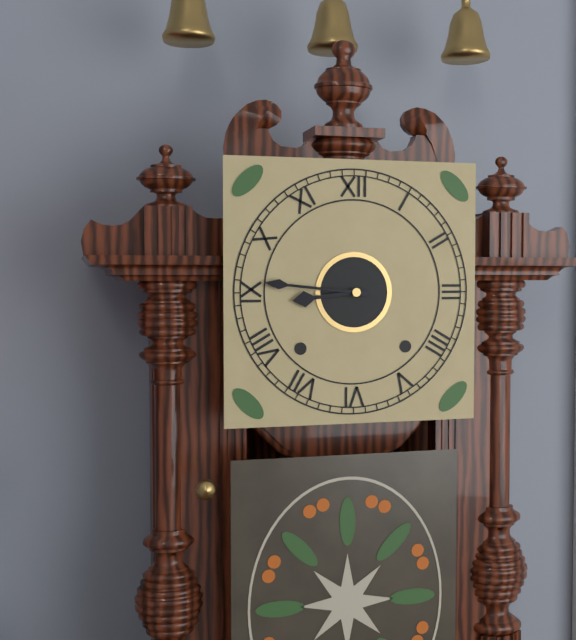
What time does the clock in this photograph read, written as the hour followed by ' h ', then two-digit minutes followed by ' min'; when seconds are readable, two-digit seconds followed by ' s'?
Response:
8 h 46 min
